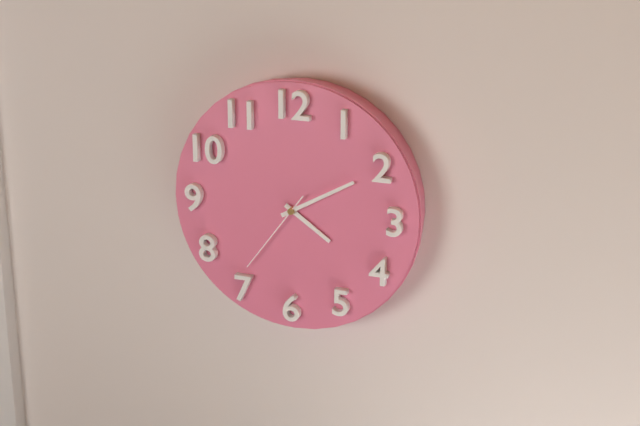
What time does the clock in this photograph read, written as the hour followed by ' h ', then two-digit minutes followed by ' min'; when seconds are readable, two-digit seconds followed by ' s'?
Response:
4 h 10 min 36 s
